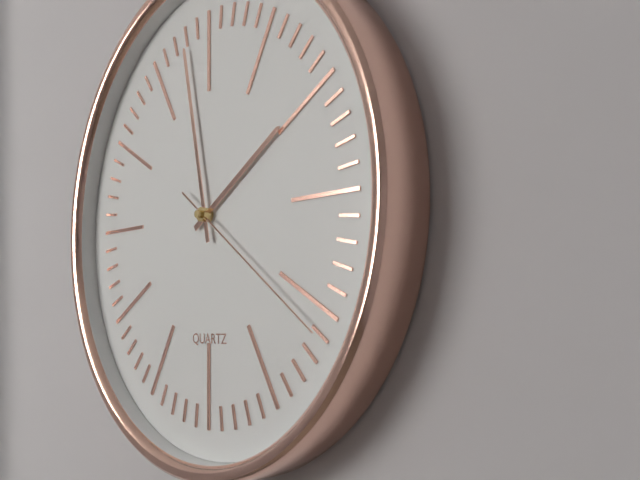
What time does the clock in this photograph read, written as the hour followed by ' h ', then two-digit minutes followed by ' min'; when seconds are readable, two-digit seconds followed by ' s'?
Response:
1 h 58 min 21 s
